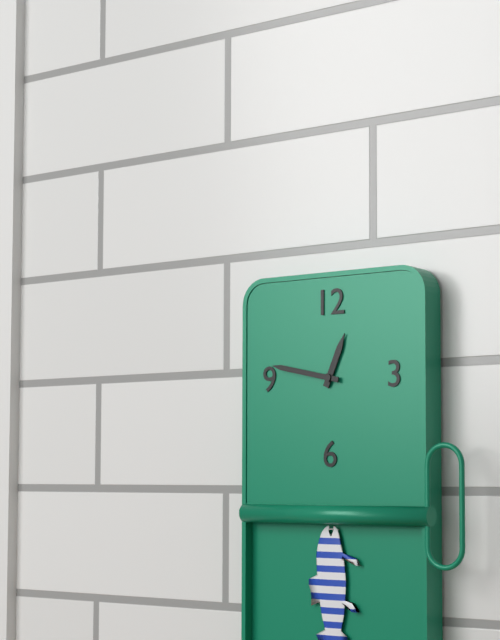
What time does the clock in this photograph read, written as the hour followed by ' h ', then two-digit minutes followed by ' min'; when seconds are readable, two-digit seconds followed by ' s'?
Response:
12 h 47 min
